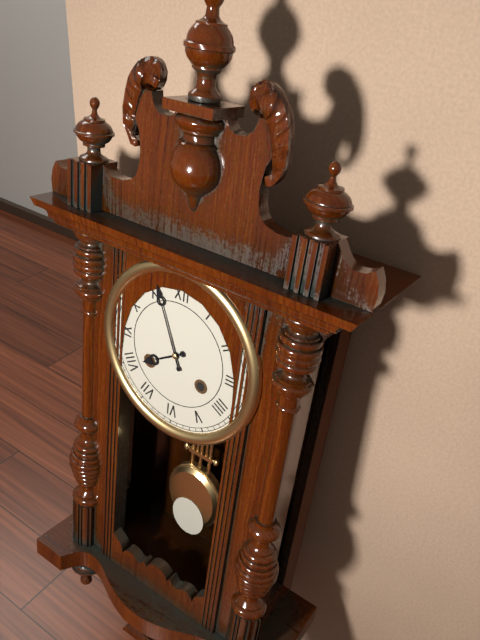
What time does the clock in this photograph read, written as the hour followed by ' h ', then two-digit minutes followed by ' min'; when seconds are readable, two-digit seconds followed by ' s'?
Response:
7 h 56 min
